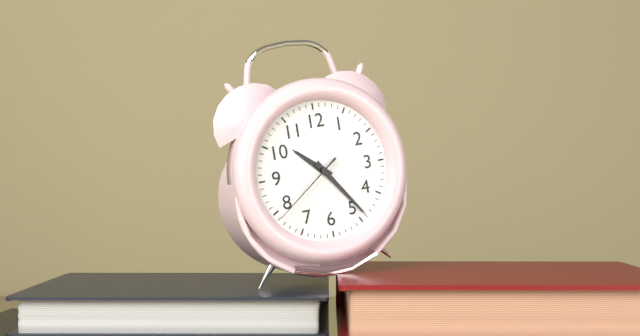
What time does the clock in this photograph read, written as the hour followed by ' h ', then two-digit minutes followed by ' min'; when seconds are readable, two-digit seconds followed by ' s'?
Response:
10 h 24 min 39 s
